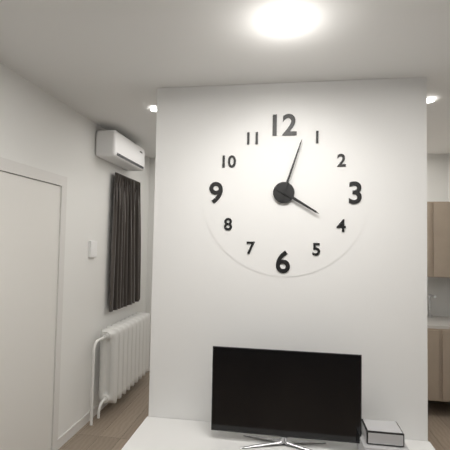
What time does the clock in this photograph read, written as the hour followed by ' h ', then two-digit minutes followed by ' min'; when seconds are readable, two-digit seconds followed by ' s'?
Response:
4 h 03 min
